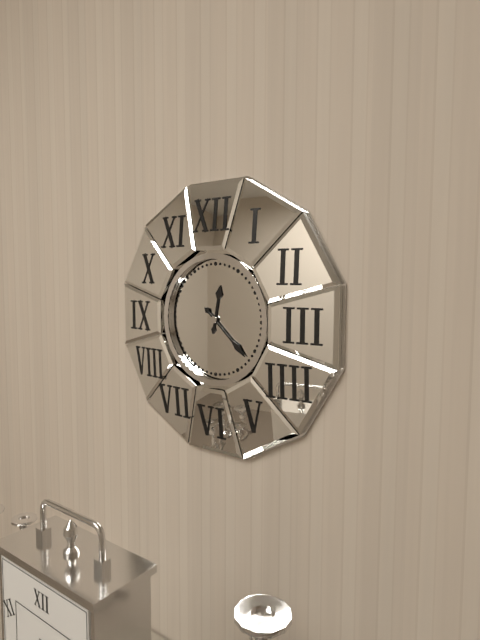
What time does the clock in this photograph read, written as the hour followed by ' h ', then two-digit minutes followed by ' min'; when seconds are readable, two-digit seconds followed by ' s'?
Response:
12 h 22 min
